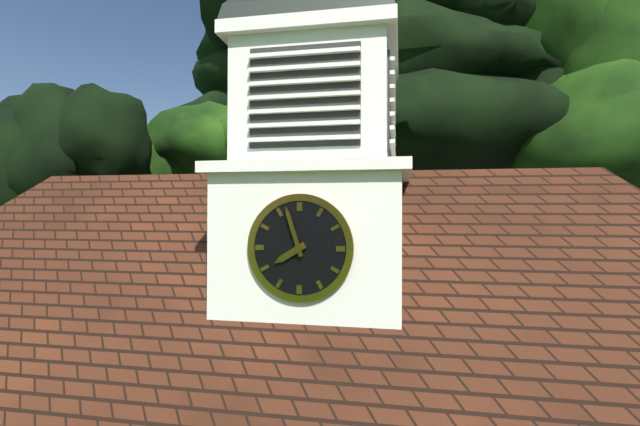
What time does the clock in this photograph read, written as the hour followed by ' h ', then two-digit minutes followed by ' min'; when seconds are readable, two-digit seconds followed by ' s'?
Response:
7 h 57 min
